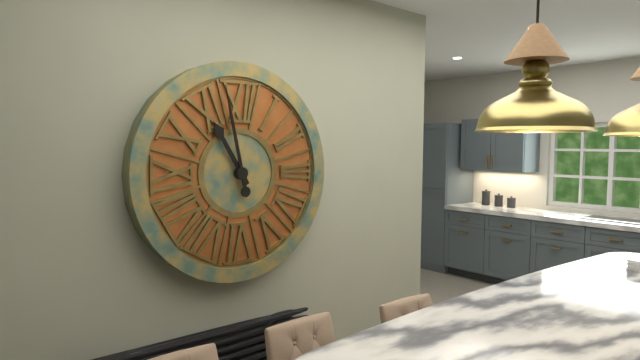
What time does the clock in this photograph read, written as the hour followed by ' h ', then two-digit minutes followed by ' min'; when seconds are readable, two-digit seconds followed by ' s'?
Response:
10 h 58 min
